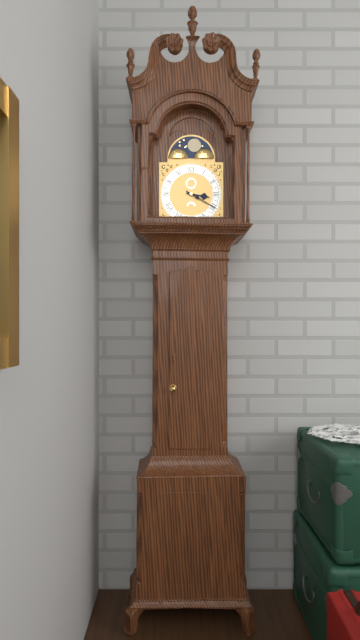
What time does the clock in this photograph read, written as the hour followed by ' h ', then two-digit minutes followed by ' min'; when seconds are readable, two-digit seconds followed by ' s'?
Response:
3 h 20 min
